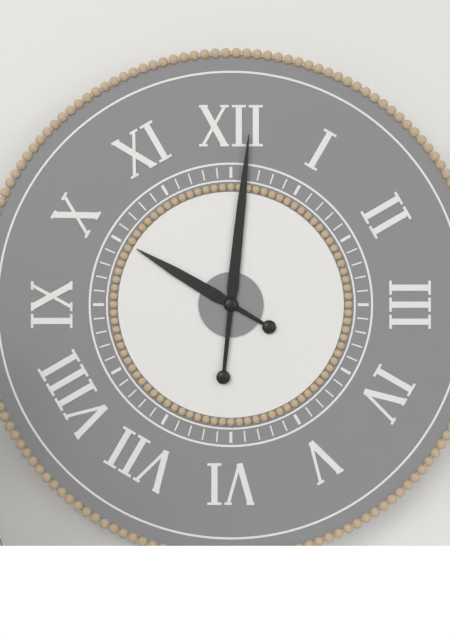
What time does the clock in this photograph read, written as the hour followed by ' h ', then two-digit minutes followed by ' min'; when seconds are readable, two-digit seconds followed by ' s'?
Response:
10 h 01 min
